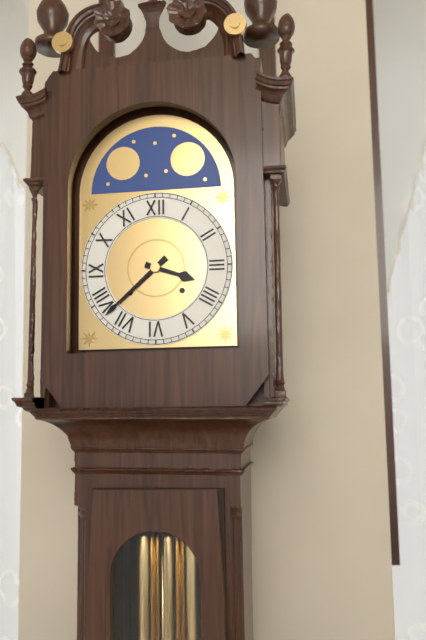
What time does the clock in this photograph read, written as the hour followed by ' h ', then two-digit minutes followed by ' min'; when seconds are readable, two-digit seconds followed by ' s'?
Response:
3 h 38 min
